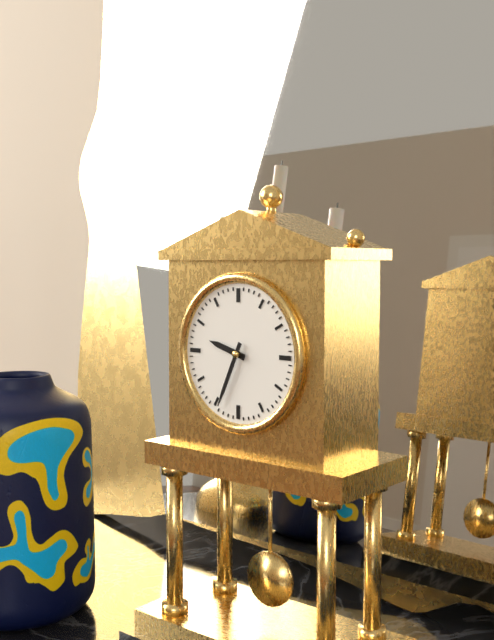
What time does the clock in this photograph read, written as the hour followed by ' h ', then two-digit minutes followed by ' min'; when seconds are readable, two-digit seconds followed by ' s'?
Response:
9 h 34 min
